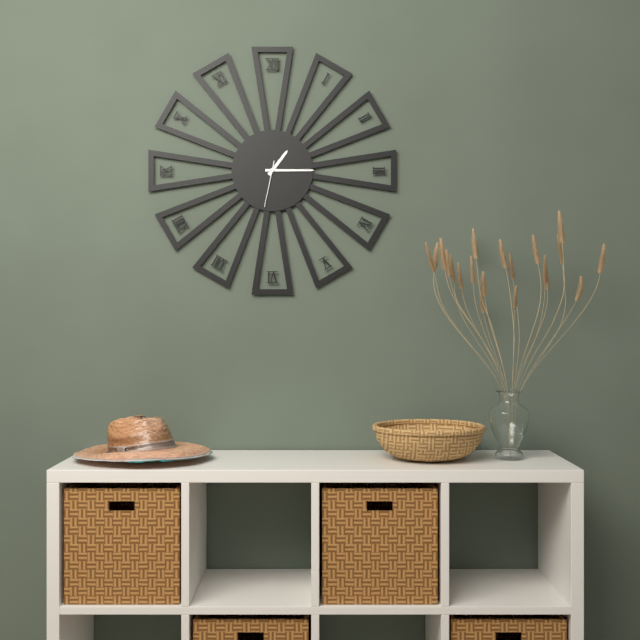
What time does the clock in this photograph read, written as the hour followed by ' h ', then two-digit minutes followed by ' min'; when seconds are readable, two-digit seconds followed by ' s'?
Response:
1 h 15 min
